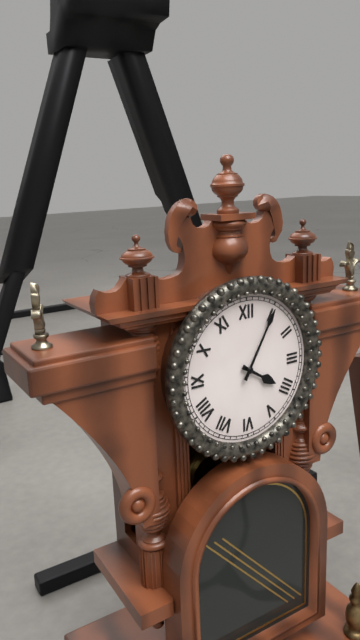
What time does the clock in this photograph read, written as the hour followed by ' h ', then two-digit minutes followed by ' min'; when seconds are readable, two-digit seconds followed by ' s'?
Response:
4 h 05 min
